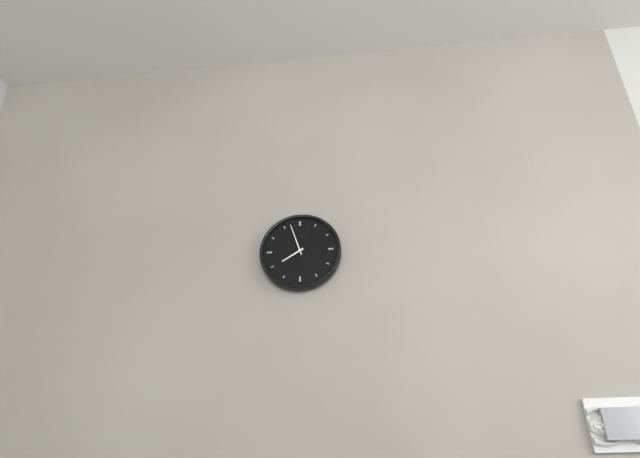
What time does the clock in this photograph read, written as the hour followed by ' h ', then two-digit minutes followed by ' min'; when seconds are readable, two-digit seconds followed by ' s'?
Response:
7 h 57 min
